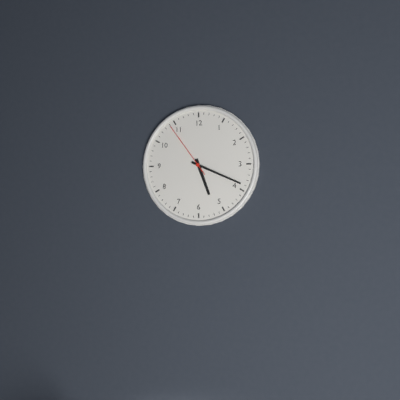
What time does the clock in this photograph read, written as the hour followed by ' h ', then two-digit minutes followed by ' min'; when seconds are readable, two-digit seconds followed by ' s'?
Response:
5 h 19 min 54 s
